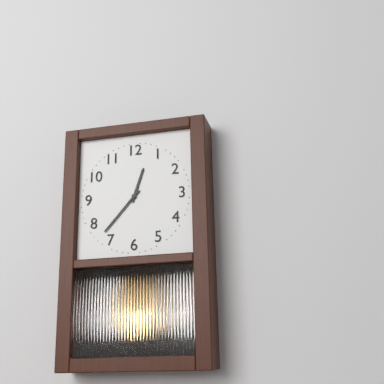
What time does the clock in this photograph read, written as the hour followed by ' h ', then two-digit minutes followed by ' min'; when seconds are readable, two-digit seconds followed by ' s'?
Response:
12 h 37 min
